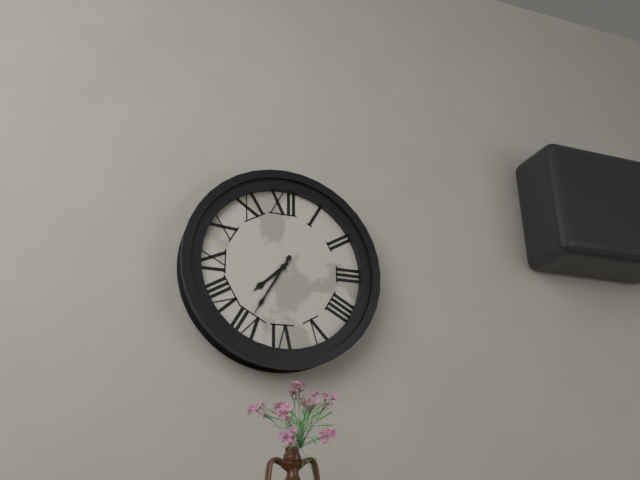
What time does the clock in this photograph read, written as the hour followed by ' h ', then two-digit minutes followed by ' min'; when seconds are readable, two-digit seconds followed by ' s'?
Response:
7 h 35 min
